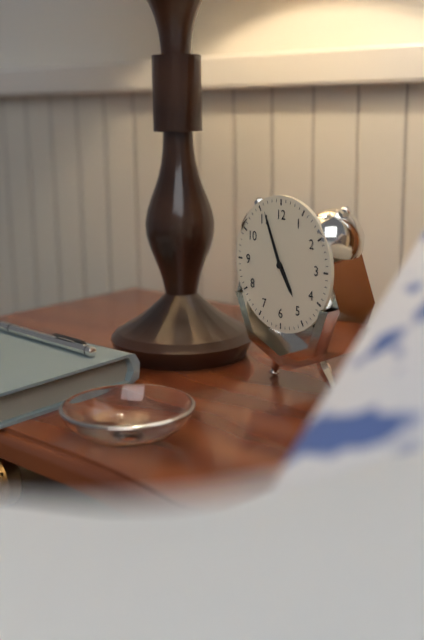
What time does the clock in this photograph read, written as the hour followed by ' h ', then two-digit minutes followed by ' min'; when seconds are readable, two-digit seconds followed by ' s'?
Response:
4 h 56 min
